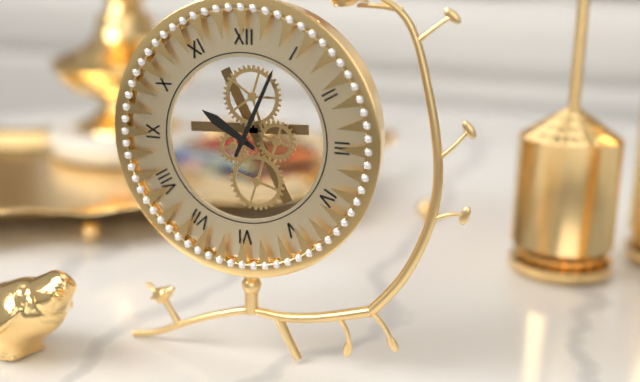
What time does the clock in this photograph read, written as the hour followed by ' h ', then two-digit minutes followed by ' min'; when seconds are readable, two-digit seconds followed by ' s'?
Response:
10 h 04 min
